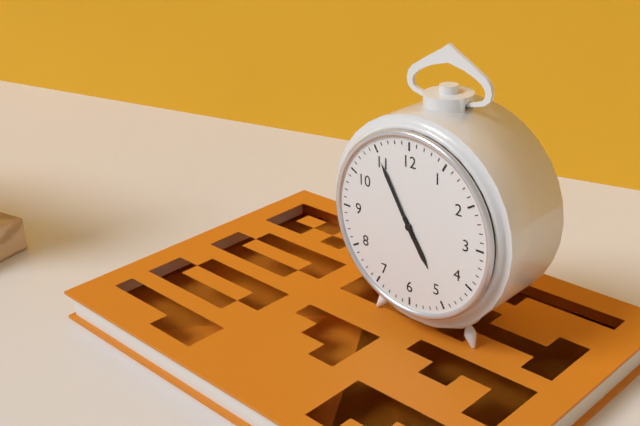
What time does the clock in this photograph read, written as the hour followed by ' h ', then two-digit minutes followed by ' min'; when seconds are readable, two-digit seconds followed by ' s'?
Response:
4 h 55 min
